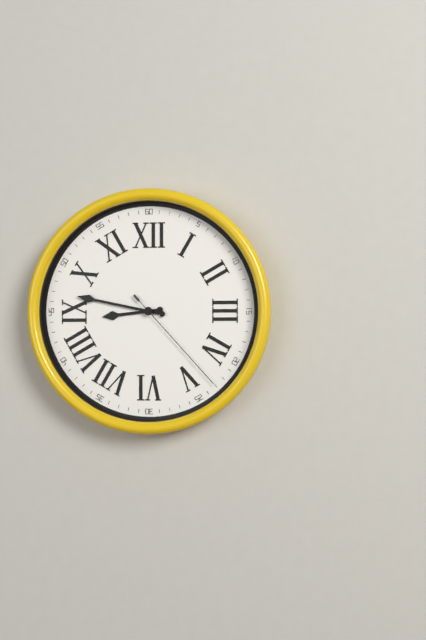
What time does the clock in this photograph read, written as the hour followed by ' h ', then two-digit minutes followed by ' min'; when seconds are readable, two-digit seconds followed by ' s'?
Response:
8 h 47 min 23 s
